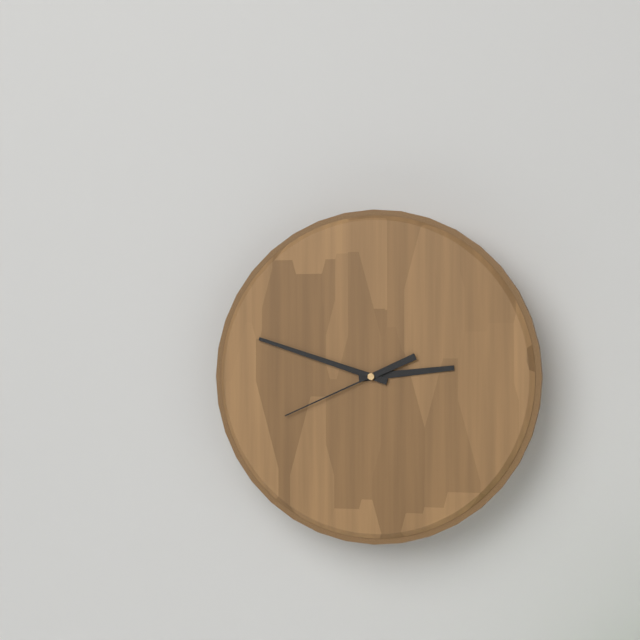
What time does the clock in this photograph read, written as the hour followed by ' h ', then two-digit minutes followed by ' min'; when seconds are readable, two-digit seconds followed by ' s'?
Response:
2 h 48 min 41 s
